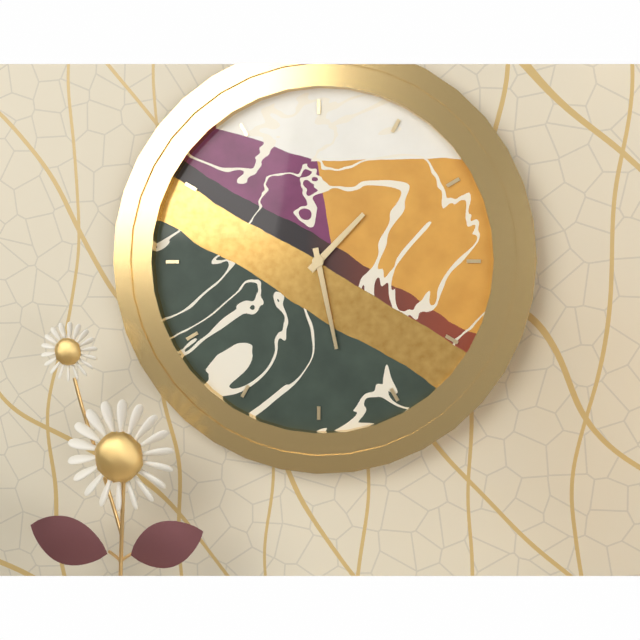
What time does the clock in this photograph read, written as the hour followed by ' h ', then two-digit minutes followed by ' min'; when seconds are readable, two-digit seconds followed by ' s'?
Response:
1 h 28 min
